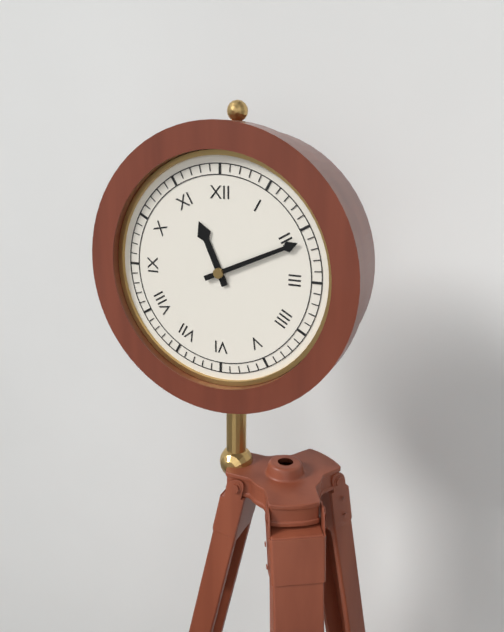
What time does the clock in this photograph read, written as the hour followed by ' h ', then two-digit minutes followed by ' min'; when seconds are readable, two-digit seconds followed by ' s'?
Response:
11 h 11 min
